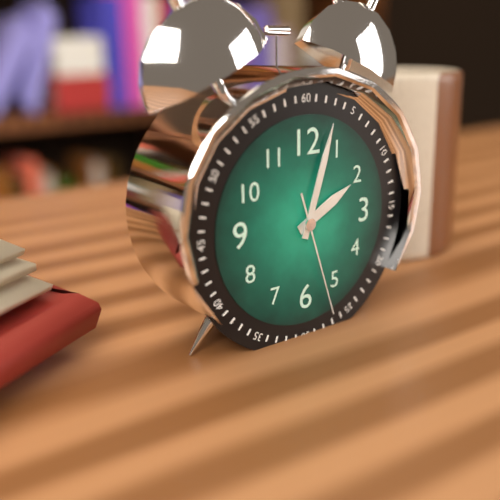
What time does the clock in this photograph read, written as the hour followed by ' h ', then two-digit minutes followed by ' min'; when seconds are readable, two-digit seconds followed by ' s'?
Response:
2 h 03 min 27 s
